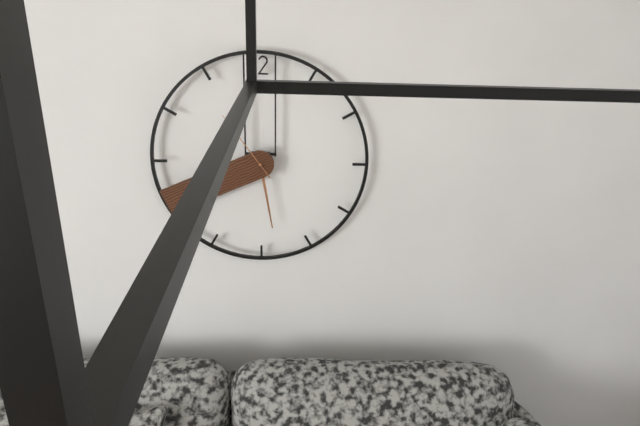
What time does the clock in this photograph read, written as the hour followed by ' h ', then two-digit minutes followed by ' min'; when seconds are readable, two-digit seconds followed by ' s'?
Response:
5 h 41 min 54 s
